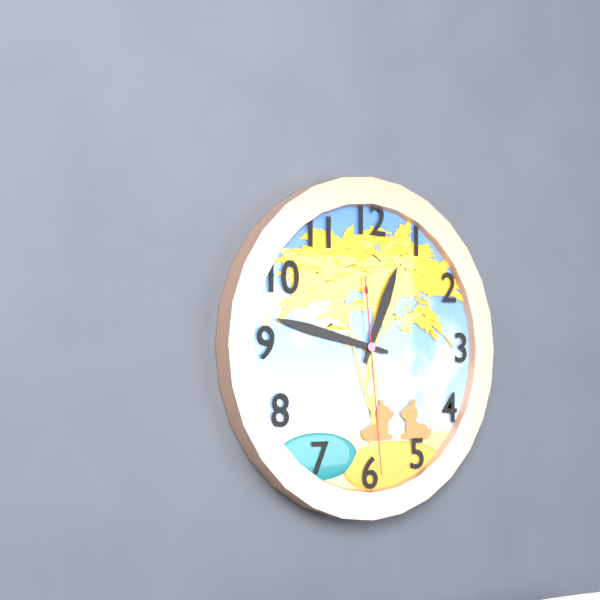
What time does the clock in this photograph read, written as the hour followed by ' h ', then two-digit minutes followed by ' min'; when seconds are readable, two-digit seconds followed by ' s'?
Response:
12 h 47 min 29 s
